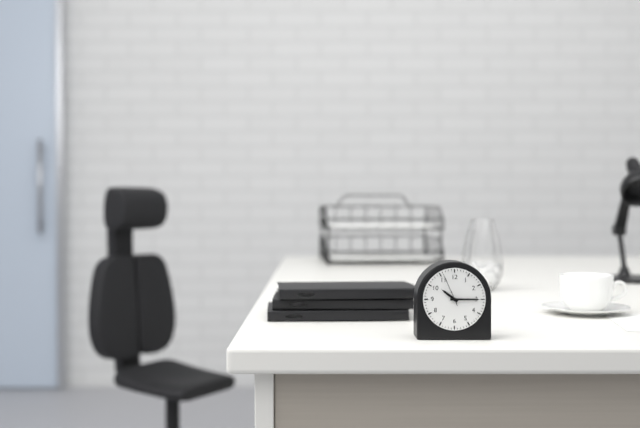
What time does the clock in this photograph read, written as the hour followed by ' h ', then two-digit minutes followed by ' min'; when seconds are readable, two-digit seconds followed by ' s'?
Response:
10 h 15 min
